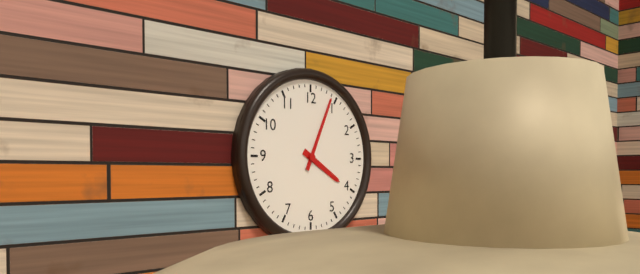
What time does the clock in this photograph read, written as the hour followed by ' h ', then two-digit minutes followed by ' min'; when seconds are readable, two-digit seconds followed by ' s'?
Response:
4 h 04 min
